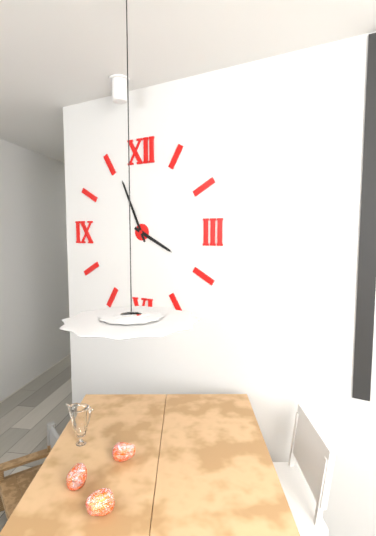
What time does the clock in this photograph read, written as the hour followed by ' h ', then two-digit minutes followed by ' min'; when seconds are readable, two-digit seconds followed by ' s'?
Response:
3 h 56 min
